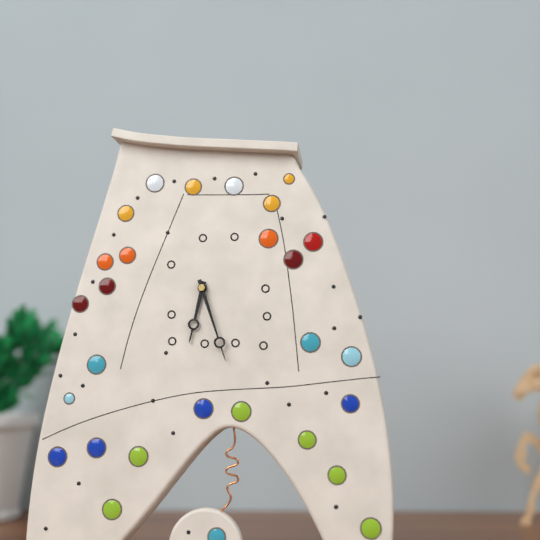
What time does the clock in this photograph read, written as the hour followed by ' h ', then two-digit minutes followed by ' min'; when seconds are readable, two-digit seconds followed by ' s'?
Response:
6 h 27 min
